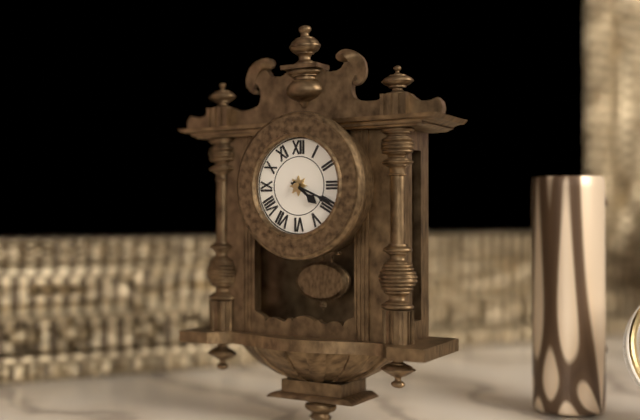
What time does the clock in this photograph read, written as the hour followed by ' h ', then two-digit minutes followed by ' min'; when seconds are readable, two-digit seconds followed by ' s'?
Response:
4 h 19 min
